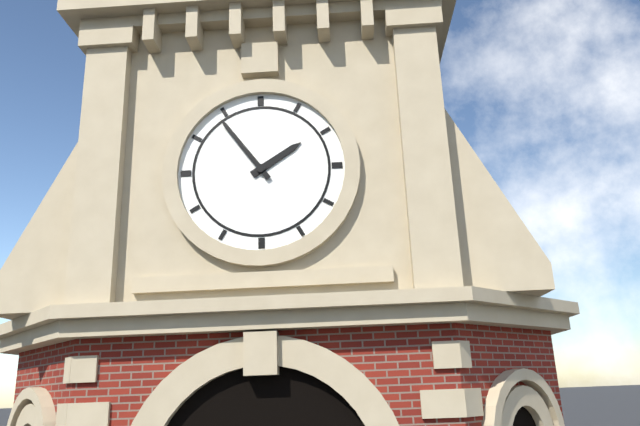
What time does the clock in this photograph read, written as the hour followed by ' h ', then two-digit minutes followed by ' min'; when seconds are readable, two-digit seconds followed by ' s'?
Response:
1 h 54 min
